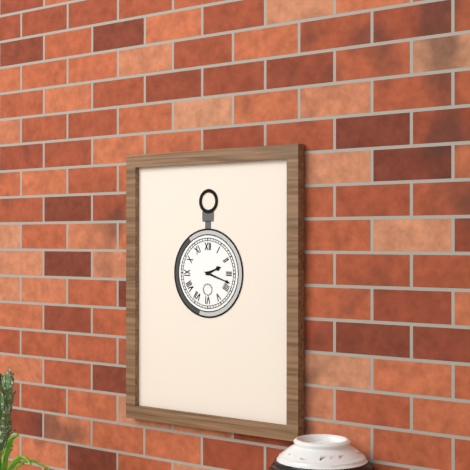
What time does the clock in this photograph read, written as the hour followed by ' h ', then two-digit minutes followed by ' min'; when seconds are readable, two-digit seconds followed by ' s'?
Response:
2 h 18 min
